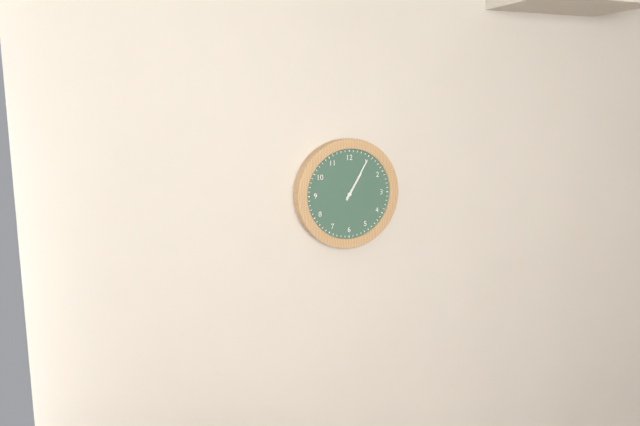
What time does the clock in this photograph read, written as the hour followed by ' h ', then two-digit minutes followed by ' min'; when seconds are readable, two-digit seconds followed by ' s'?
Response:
1 h 05 min
